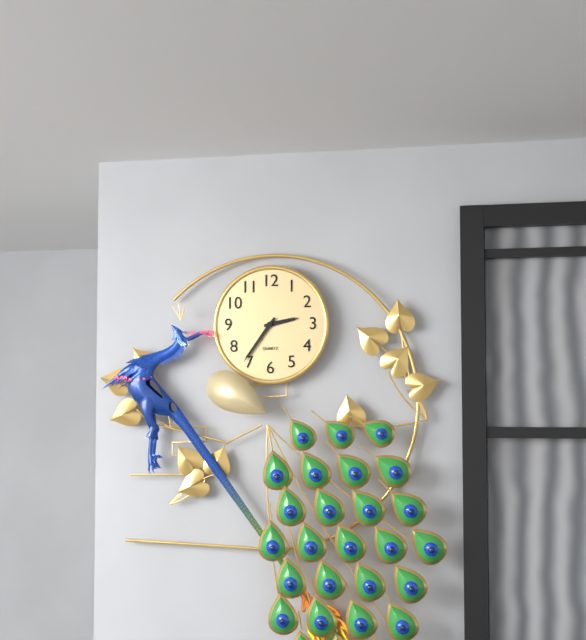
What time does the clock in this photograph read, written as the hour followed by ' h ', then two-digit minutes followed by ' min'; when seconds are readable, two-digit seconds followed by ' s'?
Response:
2 h 36 min
